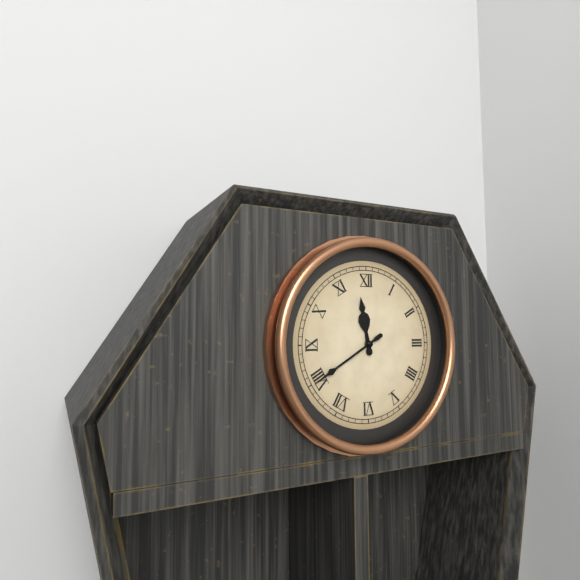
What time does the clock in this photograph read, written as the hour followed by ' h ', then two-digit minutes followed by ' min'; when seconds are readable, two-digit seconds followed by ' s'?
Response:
11 h 40 min
